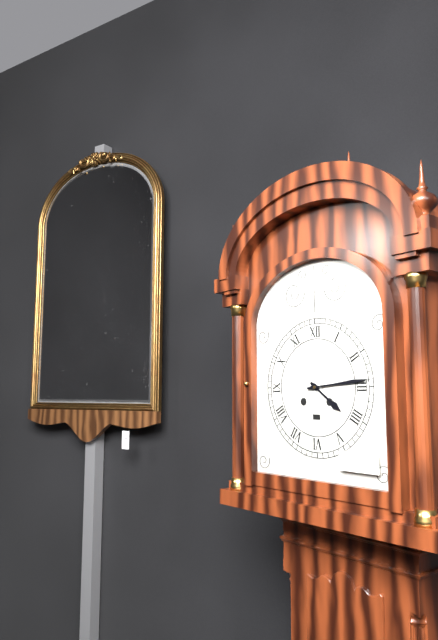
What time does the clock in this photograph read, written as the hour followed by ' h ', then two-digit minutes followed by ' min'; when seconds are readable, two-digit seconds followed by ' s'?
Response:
4 h 14 min
